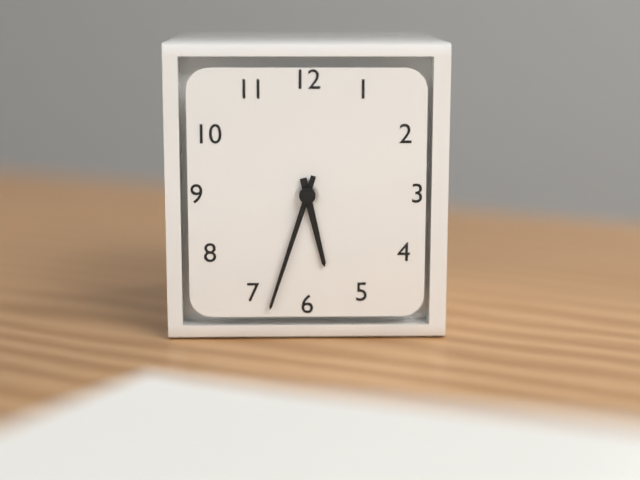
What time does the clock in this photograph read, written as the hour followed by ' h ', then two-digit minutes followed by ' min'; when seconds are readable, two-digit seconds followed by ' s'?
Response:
5 h 33 min
